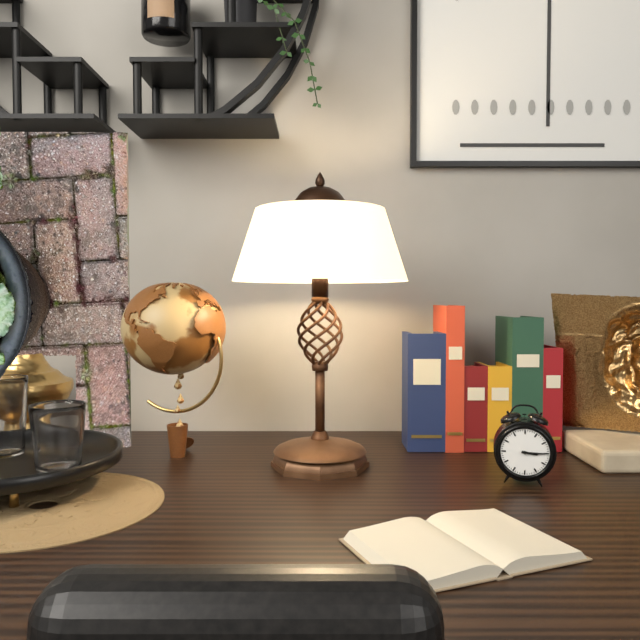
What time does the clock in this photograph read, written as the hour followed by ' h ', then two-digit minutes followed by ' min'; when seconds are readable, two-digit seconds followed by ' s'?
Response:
3 h 15 min
